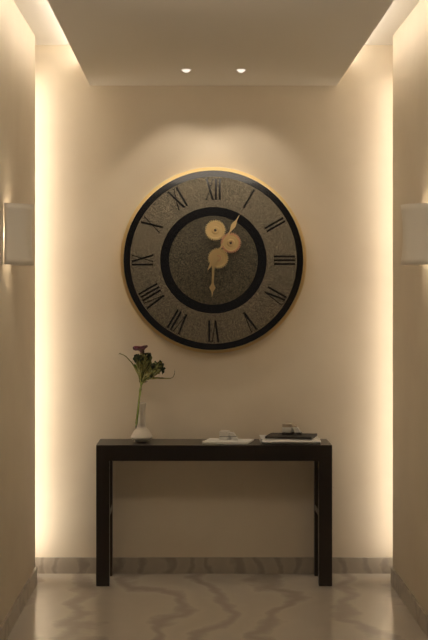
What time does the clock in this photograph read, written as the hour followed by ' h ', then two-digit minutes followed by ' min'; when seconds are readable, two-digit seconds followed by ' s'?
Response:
6 h 05 min
